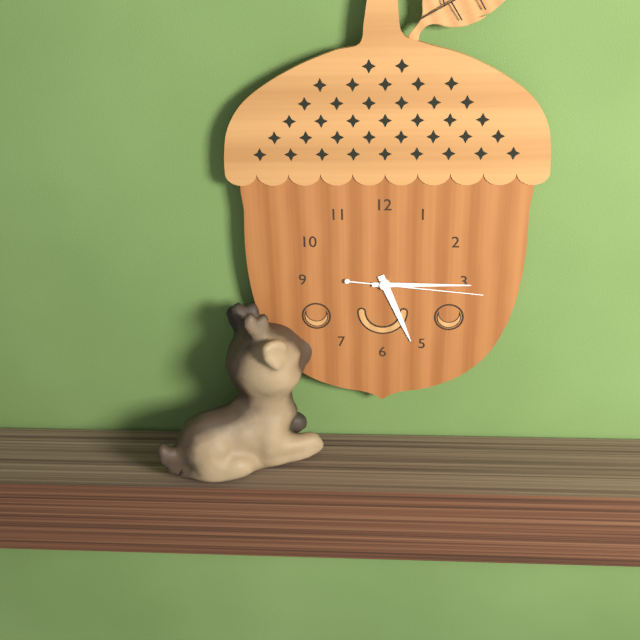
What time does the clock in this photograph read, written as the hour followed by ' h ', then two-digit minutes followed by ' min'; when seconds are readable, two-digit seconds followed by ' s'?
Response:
5 h 15 min 16 s
